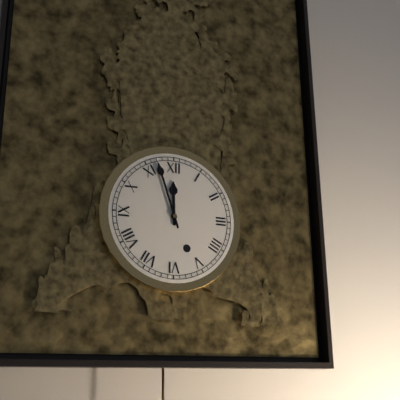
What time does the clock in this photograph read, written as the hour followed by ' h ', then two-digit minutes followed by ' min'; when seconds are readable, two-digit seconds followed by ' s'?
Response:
11 h 57 min
